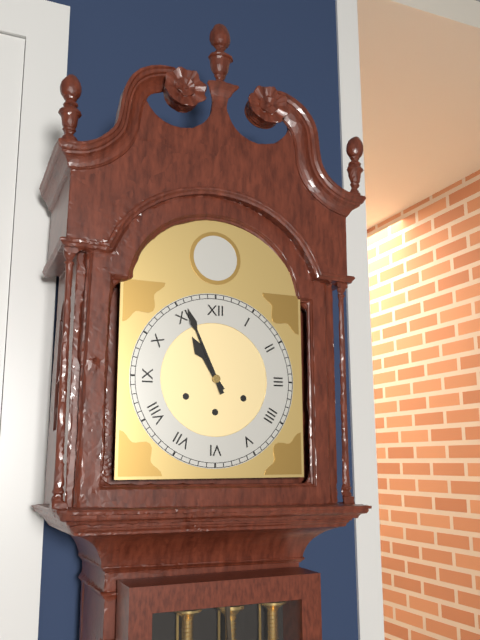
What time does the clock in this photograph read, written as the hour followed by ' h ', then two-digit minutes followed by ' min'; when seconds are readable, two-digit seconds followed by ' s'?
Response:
10 h 56 min
